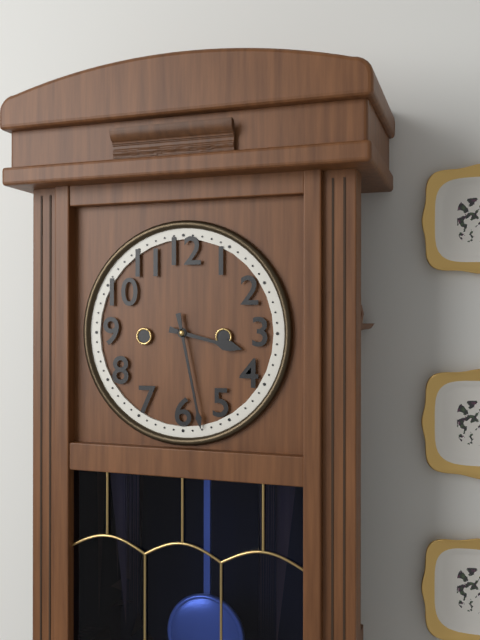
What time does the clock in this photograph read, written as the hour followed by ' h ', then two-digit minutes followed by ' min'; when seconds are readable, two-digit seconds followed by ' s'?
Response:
3 h 28 min
